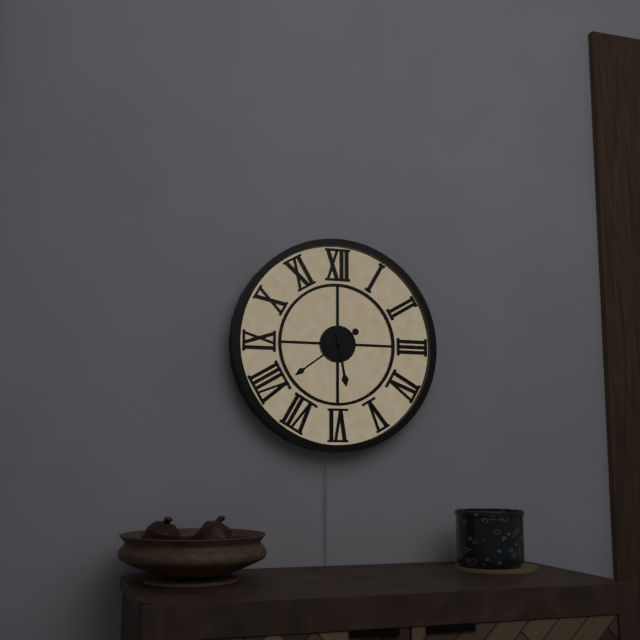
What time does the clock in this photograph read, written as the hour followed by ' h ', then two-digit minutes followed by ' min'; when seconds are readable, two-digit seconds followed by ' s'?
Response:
5 h 39 min
